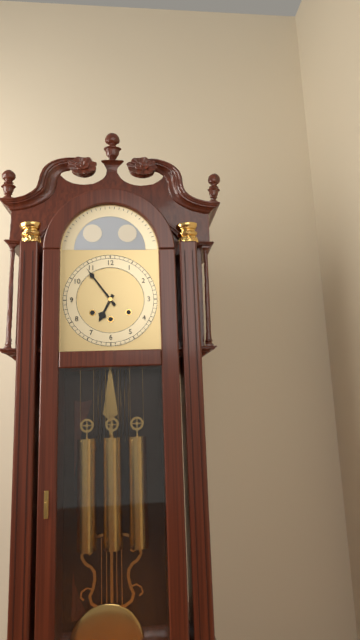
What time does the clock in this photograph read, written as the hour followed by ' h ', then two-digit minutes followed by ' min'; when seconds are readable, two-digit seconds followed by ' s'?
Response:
6 h 54 min
